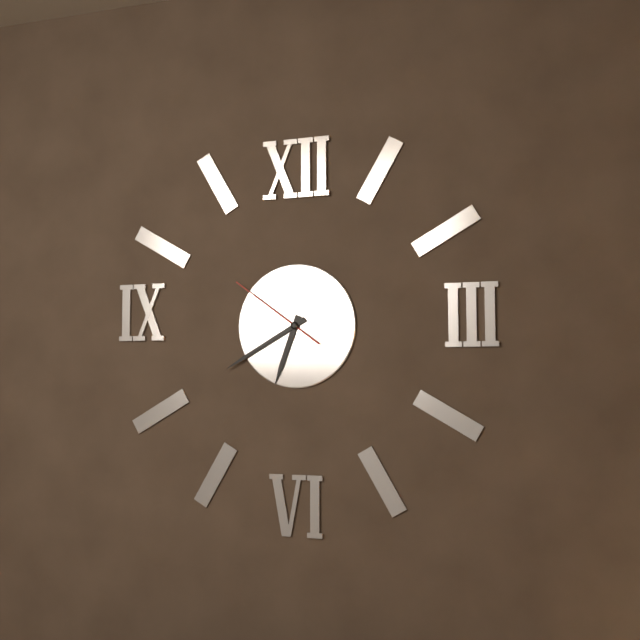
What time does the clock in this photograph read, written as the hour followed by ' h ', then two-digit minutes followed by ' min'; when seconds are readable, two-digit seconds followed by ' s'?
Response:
6 h 40 min 51 s
